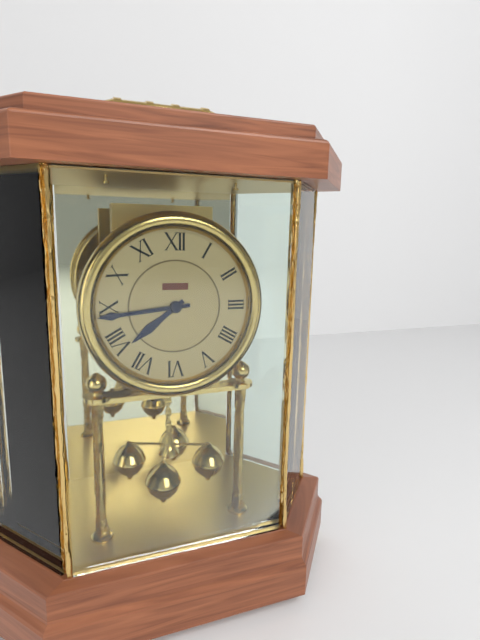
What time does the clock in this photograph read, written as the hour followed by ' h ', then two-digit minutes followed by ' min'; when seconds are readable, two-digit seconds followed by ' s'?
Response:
7 h 44 min
